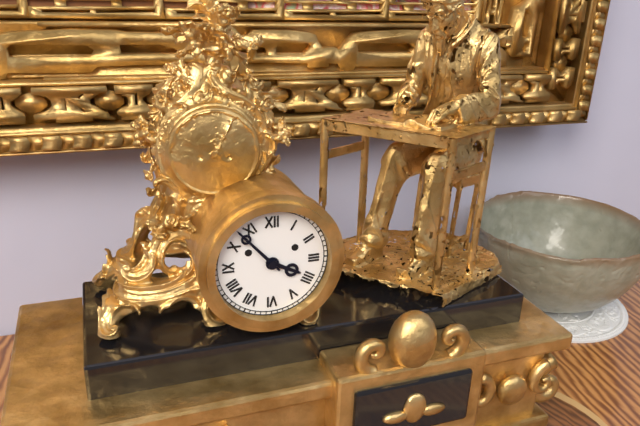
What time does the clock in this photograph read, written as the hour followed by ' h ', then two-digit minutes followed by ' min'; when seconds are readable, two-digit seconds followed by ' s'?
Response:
3 h 53 min
